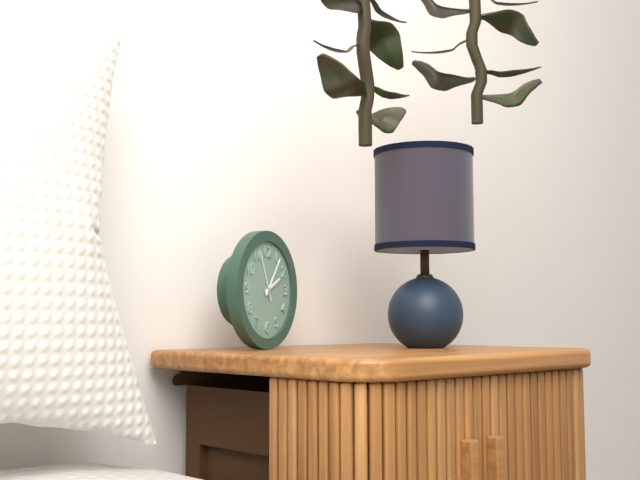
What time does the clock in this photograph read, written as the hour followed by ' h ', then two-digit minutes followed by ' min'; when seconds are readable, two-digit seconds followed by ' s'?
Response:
2 h 06 min 56 s
